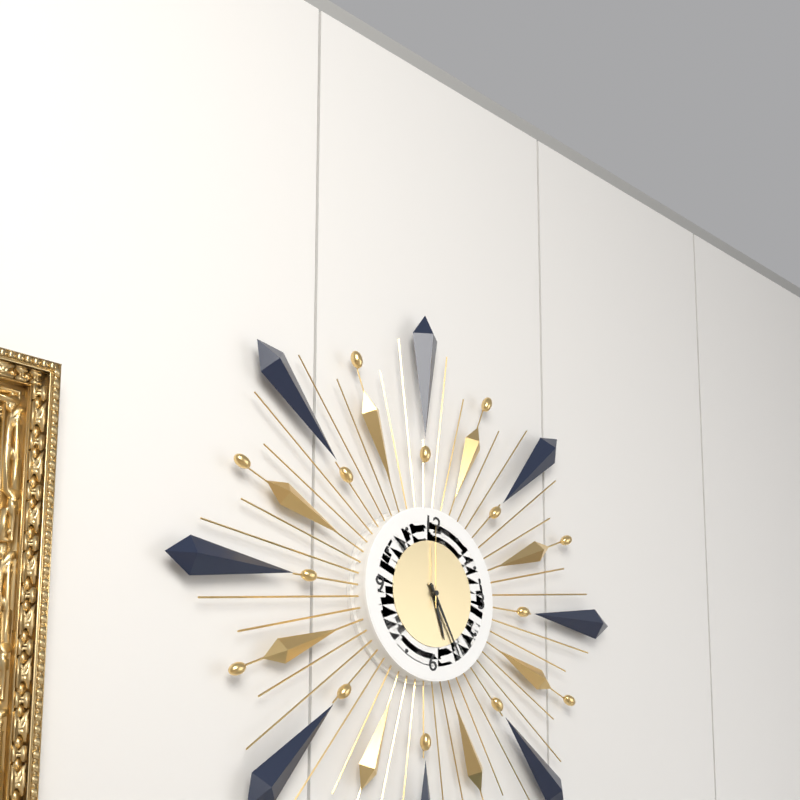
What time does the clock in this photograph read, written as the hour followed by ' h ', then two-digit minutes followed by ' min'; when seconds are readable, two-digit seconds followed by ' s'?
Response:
5 h 25 min 00 s
